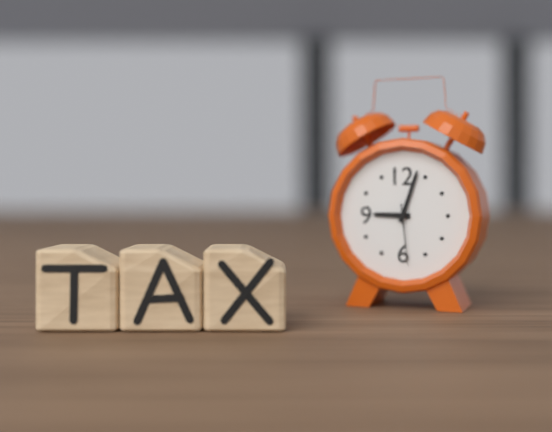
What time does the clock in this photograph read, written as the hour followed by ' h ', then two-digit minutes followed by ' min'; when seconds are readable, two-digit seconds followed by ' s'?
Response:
9 h 03 min 29 s
